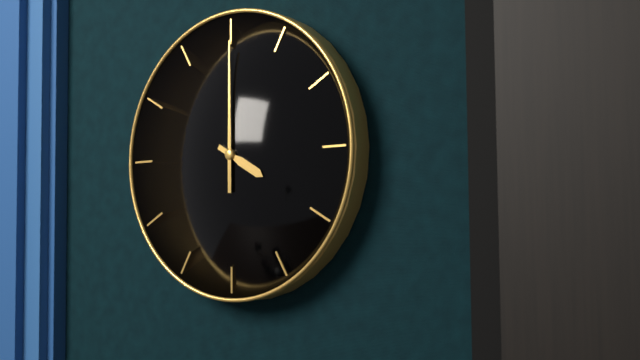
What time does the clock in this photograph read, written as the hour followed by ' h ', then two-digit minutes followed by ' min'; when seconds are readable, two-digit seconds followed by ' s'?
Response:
4 h 00 min
